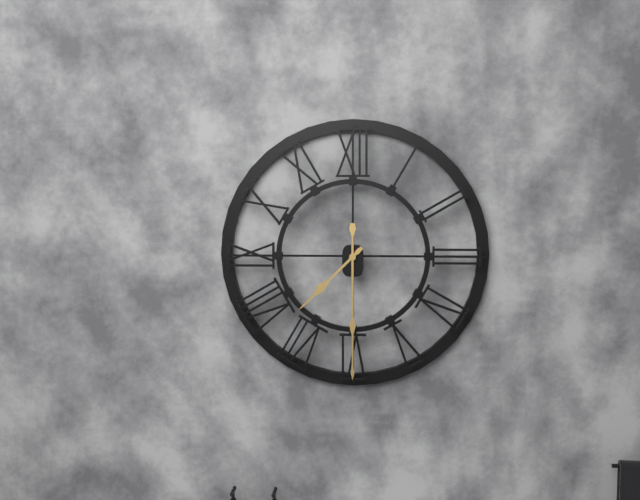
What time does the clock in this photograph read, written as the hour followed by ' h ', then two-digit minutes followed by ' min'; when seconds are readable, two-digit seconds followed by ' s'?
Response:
7 h 30 min
